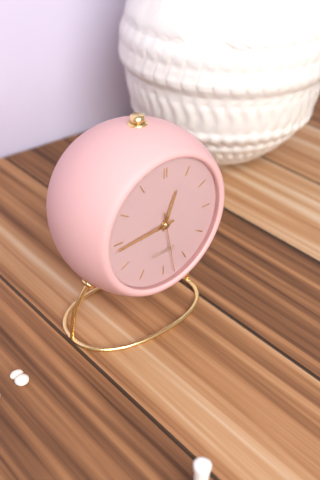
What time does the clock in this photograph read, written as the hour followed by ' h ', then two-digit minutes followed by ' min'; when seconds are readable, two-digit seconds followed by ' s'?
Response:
12 h 44 min 28 s
